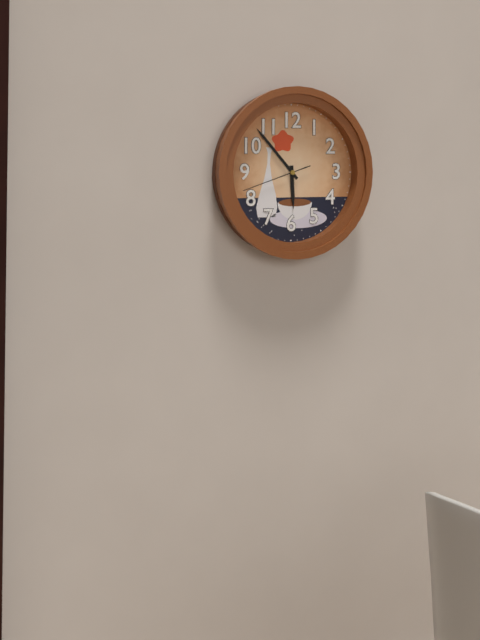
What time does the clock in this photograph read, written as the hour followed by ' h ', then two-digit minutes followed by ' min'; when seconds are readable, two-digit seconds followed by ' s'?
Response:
5 h 53 min 42 s
